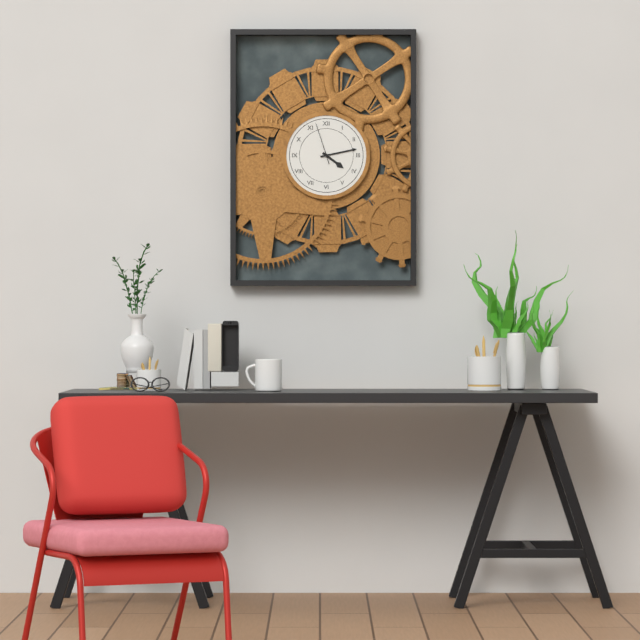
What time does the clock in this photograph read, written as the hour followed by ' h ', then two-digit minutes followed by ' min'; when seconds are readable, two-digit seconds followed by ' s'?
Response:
4 h 13 min
